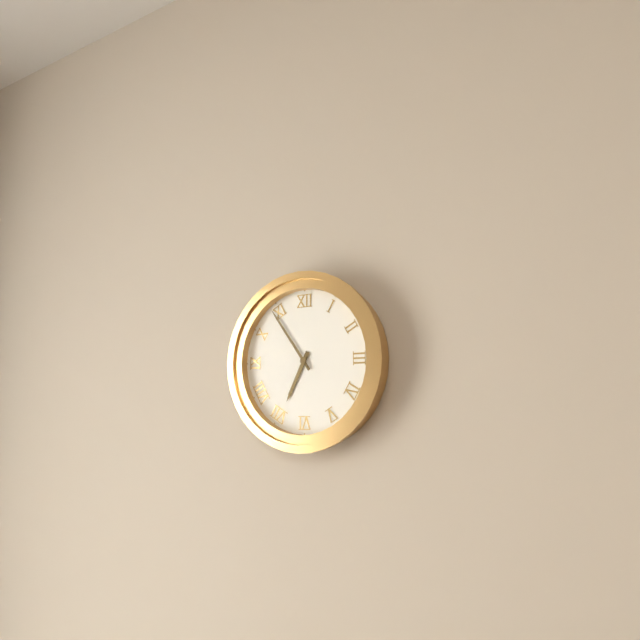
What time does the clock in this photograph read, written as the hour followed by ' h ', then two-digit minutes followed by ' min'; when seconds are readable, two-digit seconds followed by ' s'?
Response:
6 h 54 min
